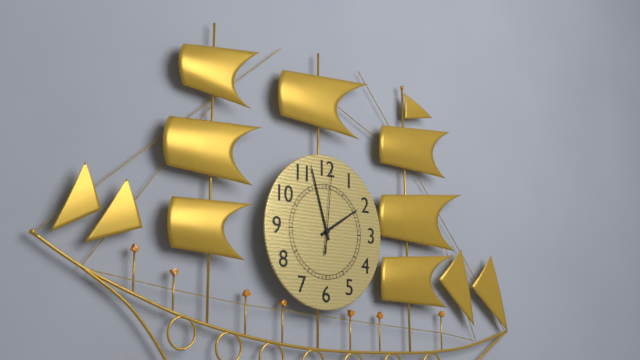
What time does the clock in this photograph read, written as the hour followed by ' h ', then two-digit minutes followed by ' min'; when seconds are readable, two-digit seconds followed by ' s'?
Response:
1 h 57 min 01 s
